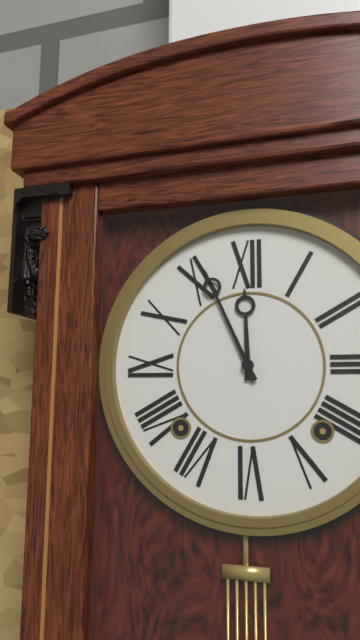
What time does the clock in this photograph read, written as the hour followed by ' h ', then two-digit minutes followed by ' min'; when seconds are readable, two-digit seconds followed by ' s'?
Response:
11 h 56 min
